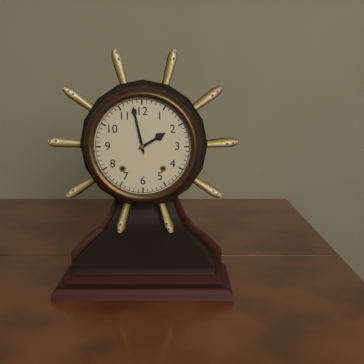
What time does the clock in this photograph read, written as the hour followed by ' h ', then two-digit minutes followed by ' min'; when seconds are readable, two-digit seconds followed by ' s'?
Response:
1 h 58 min
